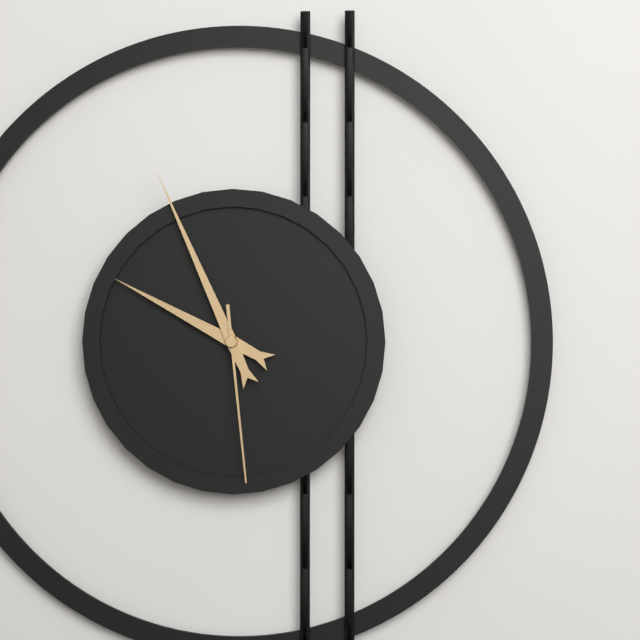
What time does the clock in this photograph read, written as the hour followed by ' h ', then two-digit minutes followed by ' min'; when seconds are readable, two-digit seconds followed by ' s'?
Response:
9 h 56 min 29 s
